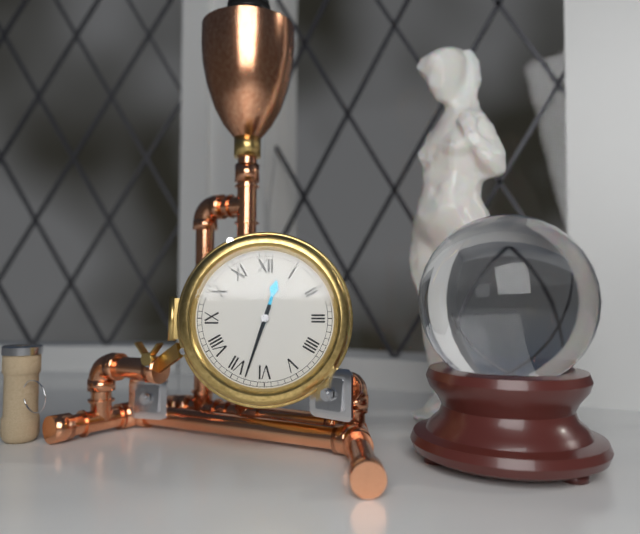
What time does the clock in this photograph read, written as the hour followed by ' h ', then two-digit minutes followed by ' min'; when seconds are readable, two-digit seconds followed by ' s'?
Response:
12 h 33 min
